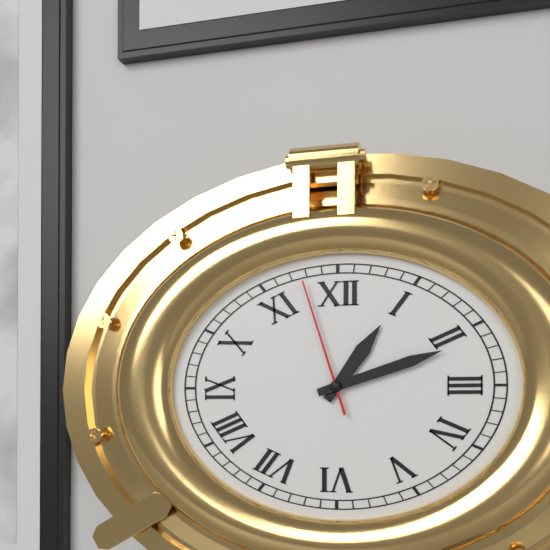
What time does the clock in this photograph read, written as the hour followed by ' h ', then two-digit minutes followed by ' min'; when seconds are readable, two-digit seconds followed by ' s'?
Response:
1 h 12 min 57 s
